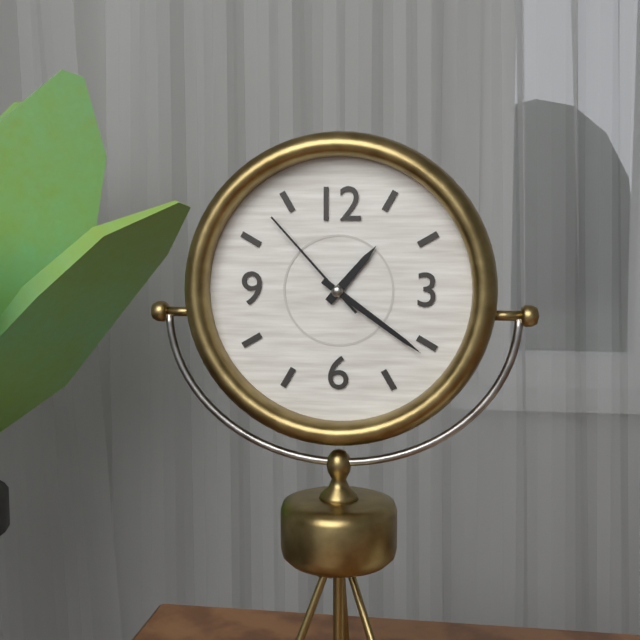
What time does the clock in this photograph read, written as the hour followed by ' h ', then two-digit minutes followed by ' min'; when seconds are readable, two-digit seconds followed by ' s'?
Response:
1 h 21 min 53 s
